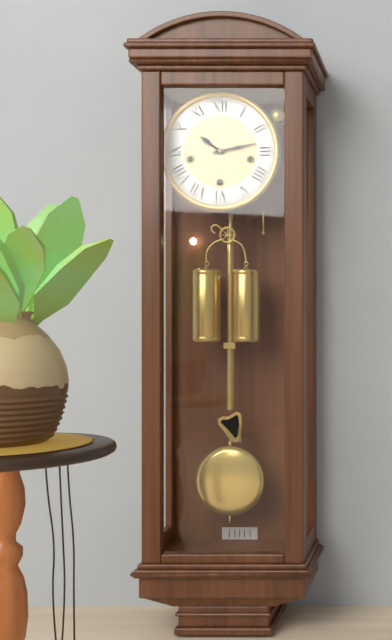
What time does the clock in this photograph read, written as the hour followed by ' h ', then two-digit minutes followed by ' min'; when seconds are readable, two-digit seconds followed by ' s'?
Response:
10 h 13 min
